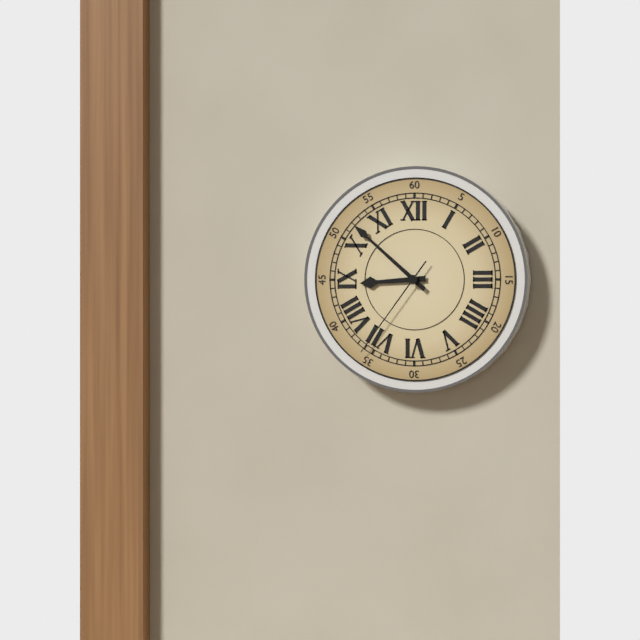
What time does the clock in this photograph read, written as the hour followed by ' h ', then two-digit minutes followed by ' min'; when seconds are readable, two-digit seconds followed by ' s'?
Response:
8 h 52 min 36 s
